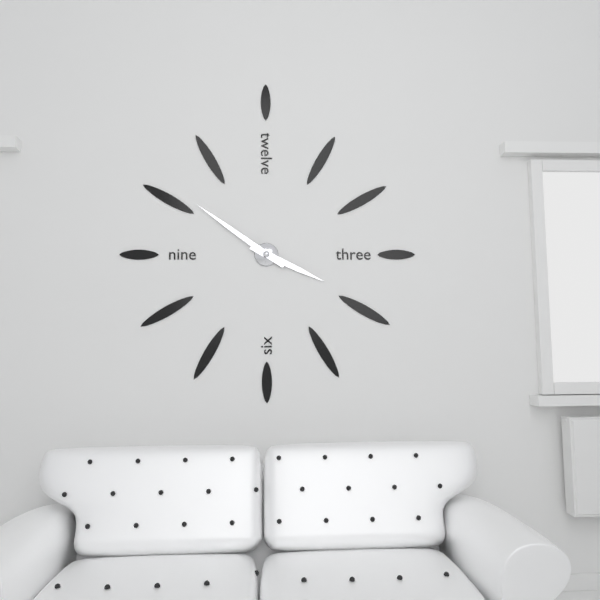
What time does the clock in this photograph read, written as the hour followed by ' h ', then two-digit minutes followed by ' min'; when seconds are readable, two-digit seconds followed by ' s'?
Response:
3 h 51 min
